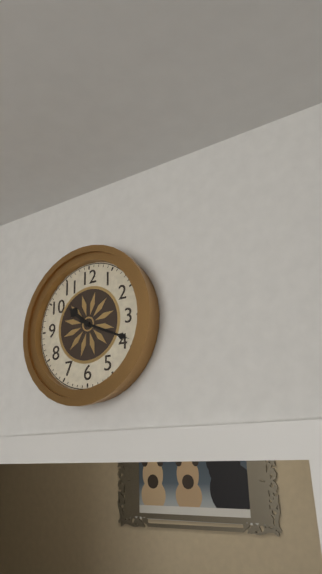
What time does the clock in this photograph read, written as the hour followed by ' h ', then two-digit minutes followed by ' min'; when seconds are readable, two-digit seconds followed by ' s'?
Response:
10 h 19 min
